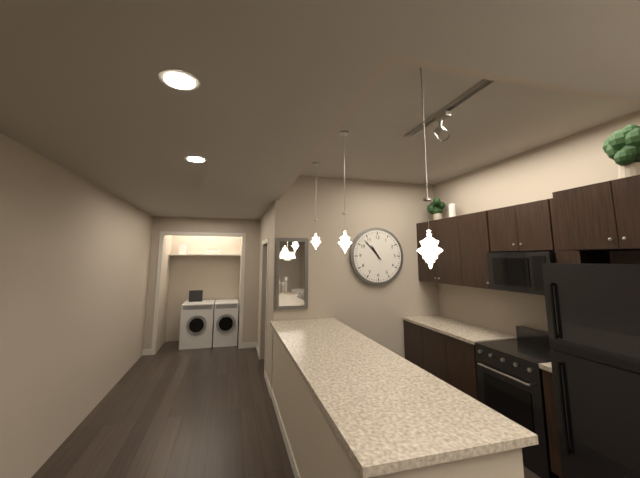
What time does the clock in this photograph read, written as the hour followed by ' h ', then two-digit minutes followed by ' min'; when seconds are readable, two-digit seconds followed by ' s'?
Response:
10 h 53 min
